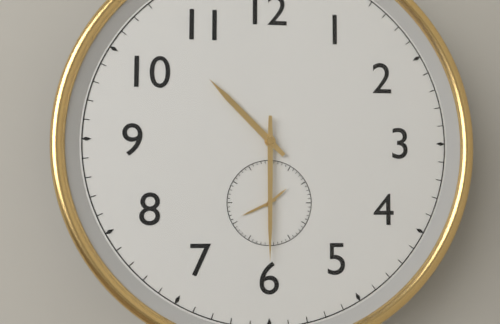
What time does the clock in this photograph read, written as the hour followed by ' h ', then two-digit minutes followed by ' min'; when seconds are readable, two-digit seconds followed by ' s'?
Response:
10 h 30 min
